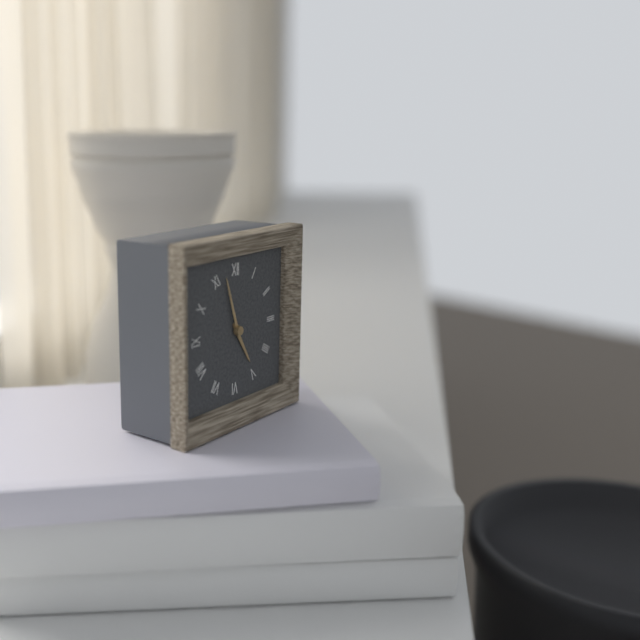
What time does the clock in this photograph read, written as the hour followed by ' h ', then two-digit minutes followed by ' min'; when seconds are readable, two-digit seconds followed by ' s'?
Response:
4 h 57 min
